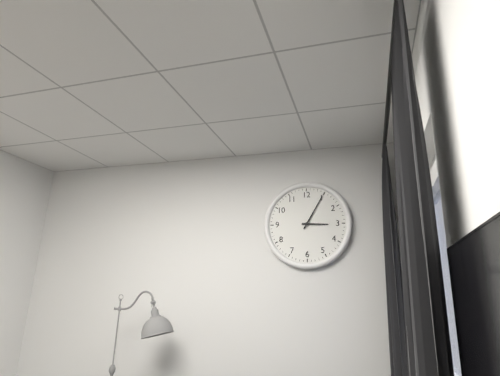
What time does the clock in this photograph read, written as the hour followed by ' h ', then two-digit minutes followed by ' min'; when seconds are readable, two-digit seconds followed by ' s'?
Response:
3 h 05 min
